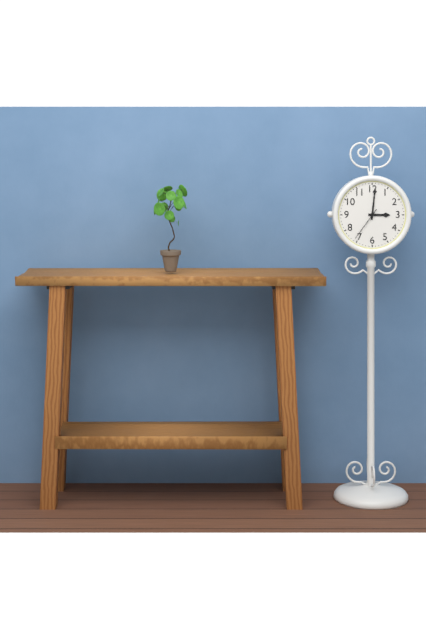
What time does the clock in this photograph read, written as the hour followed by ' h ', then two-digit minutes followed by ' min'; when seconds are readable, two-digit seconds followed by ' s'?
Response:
3 h 01 min
